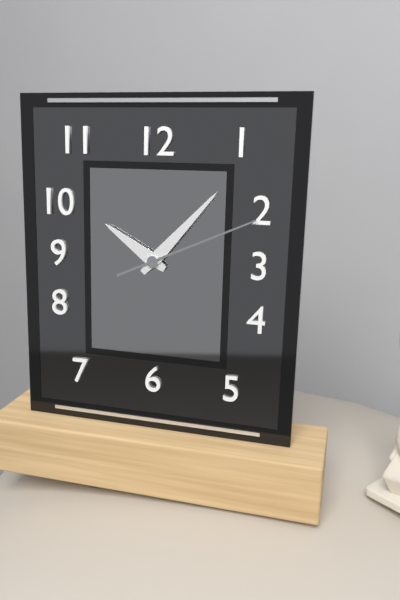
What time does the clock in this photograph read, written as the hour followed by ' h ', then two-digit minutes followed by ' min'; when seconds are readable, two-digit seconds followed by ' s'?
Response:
10 h 07 min 11 s
